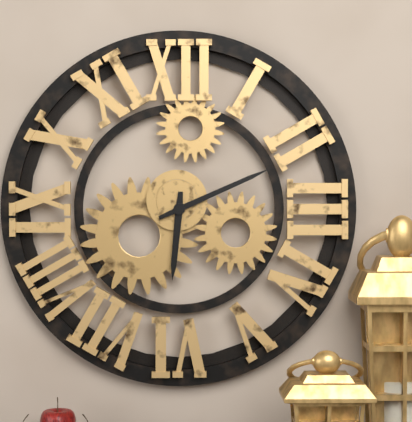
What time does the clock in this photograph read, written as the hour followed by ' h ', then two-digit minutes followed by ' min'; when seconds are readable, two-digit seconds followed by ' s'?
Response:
6 h 11 min
